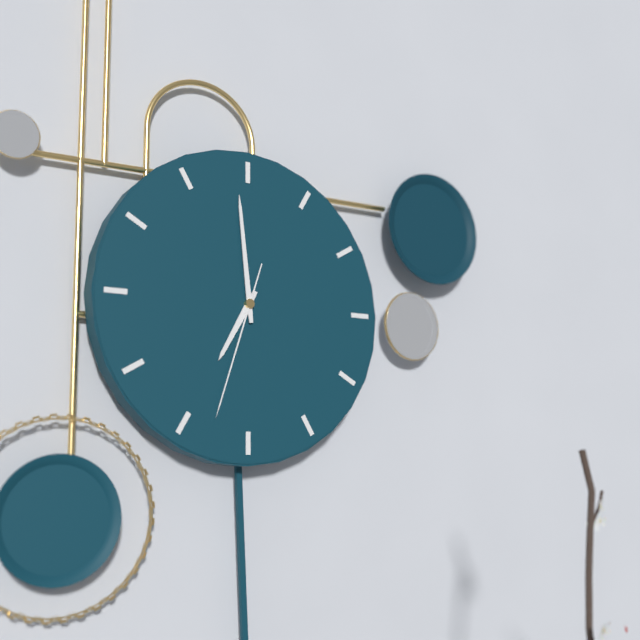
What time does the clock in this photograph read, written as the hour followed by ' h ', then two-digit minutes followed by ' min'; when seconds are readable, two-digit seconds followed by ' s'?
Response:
6 h 59 min 33 s
